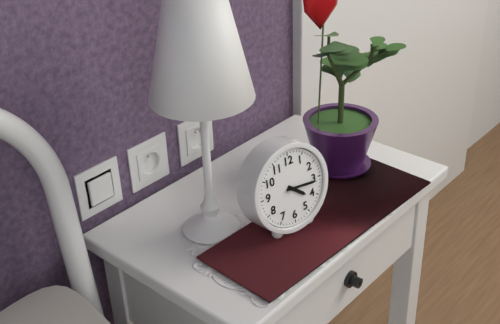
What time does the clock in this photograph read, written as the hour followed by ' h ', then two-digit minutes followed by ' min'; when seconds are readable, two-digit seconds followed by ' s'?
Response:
4 h 16 min
